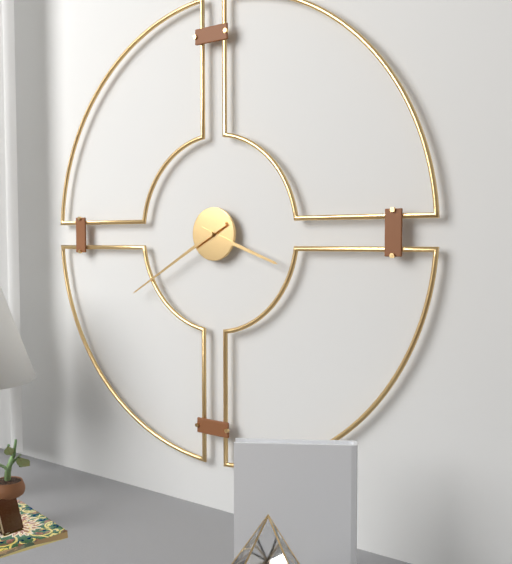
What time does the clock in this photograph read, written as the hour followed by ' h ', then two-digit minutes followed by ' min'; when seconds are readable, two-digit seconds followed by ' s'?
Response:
3 h 40 min
